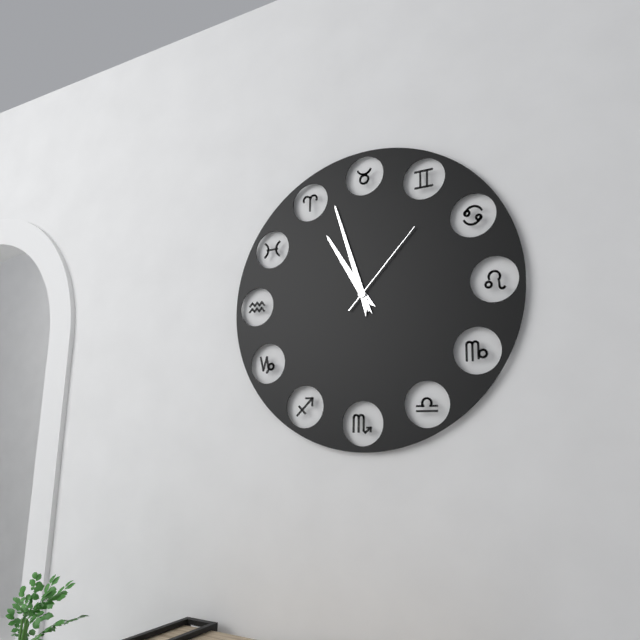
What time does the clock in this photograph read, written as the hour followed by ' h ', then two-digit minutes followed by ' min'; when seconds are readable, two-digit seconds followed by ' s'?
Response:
10 h 57 min 07 s
